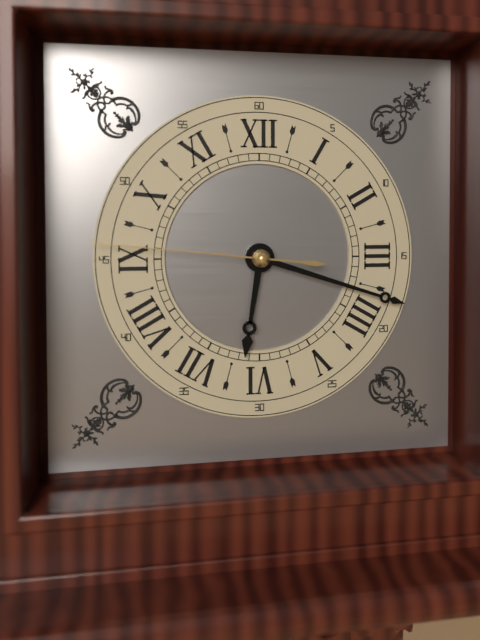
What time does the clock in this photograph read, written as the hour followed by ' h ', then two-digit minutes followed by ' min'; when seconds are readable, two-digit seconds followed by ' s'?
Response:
6 h 18 min 46 s
